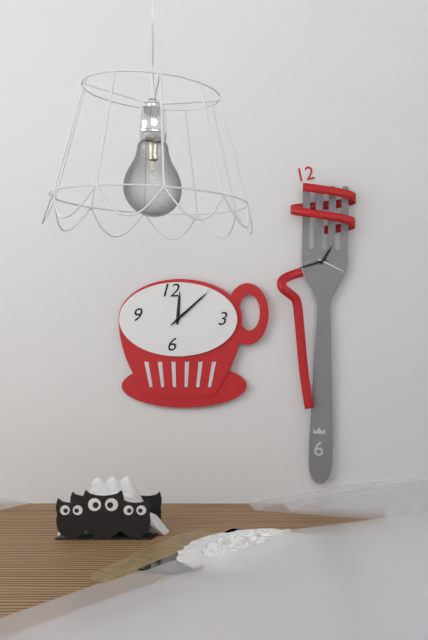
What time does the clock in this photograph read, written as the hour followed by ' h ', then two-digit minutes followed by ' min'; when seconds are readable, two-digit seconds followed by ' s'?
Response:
12 h 08 min
